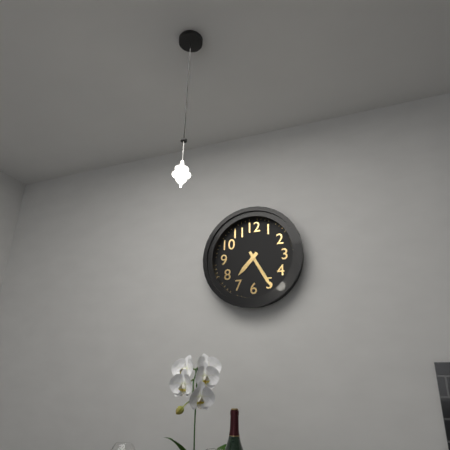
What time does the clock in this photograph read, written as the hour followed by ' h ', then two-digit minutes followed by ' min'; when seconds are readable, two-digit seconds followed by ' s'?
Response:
7 h 25 min
